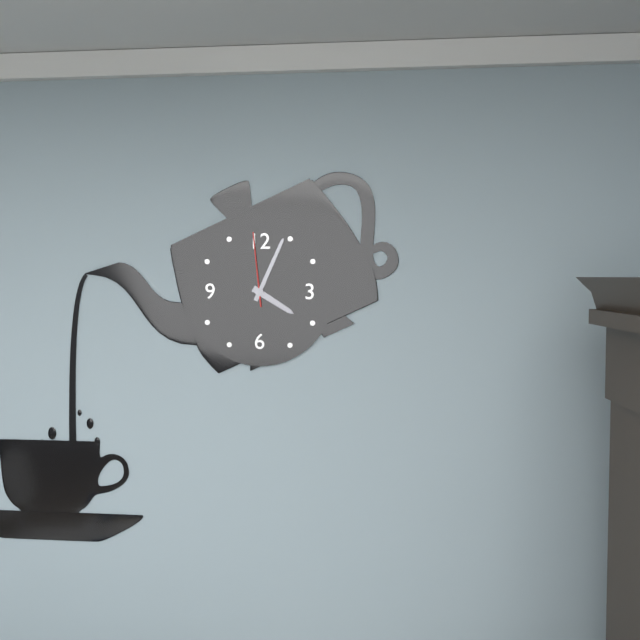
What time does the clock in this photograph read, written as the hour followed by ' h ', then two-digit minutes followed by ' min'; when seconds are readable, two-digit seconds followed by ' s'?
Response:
4 h 04 min 59 s
